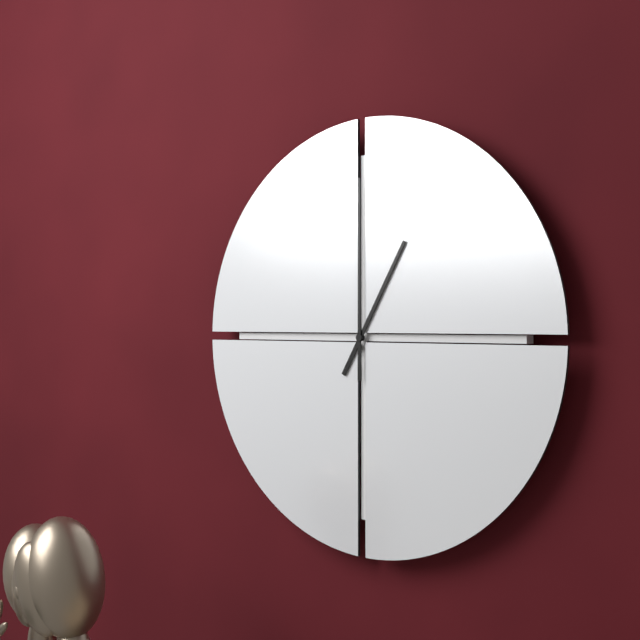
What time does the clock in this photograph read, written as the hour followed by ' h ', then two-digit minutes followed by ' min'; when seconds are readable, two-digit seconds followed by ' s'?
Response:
1 h 00 min
